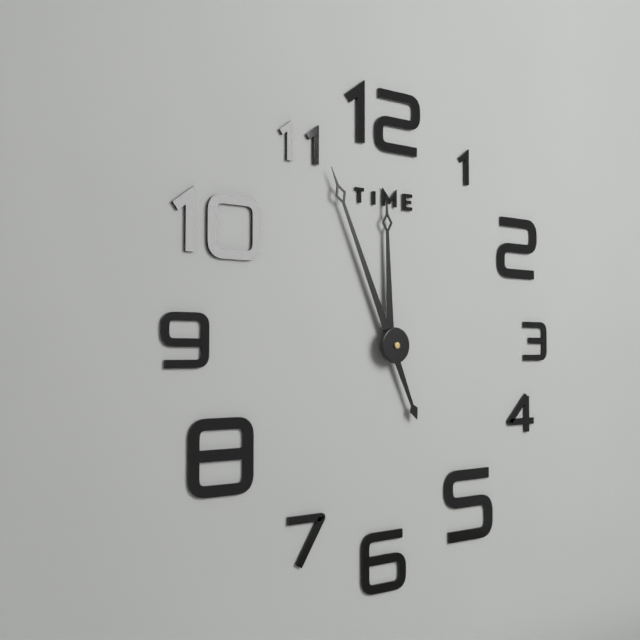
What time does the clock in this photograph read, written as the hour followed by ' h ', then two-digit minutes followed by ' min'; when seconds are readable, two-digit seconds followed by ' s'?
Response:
11 h 56 min
